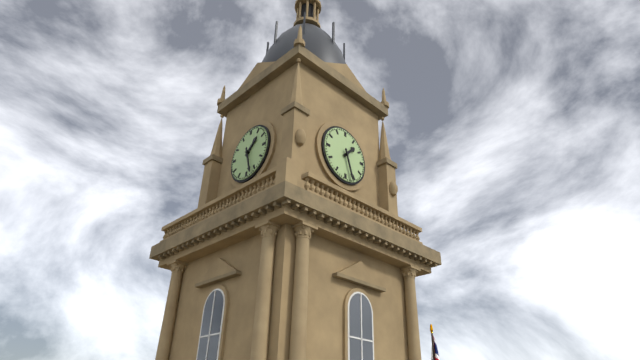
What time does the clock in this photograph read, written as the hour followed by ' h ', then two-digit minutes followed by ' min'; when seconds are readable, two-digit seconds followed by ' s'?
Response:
1 h 27 min
